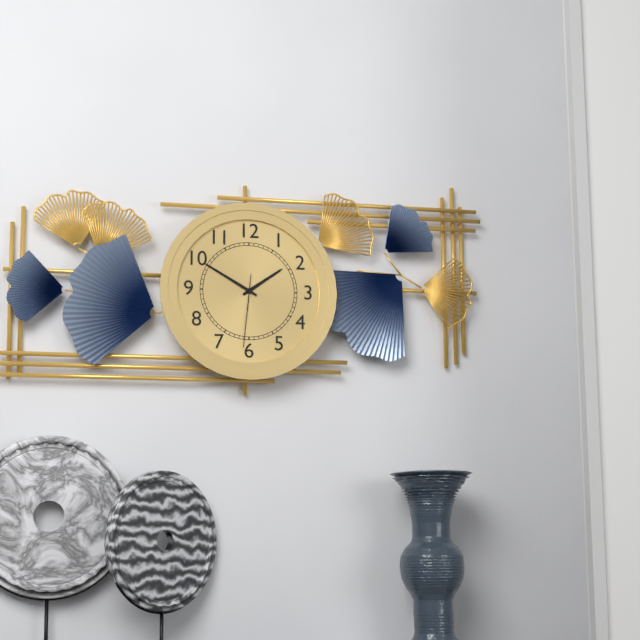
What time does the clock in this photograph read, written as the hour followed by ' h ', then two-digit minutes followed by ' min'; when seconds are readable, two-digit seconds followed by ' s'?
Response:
1 h 50 min 31 s
